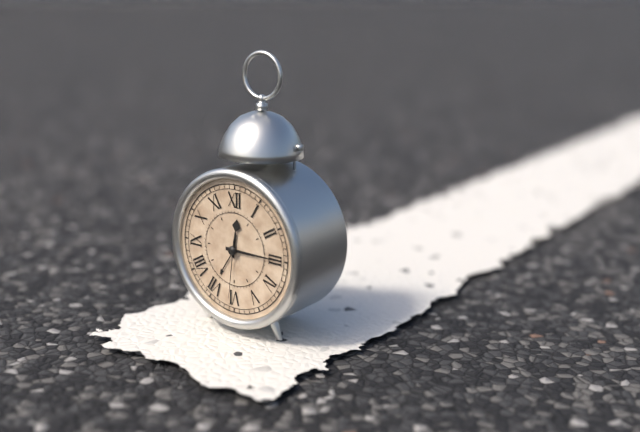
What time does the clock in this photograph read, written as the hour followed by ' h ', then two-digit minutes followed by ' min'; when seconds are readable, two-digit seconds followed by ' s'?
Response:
12 h 15 min 31 s
